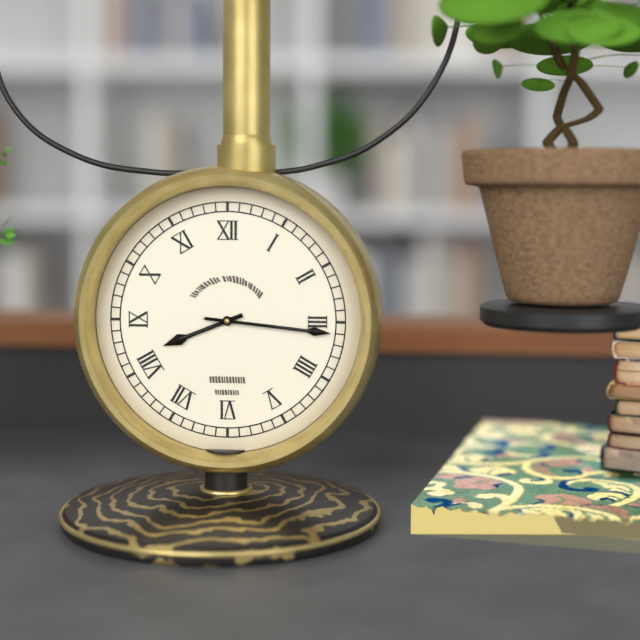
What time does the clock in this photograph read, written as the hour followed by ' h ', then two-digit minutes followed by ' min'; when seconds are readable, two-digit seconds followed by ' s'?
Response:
8 h 16 min
